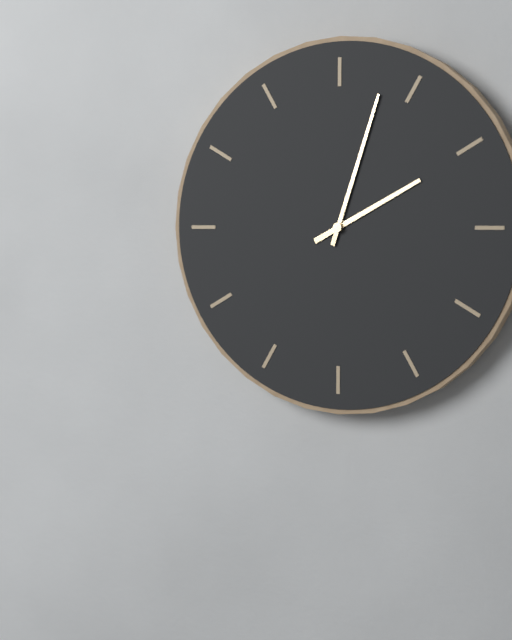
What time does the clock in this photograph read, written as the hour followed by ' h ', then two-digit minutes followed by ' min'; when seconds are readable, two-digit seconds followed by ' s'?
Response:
2 h 03 min
